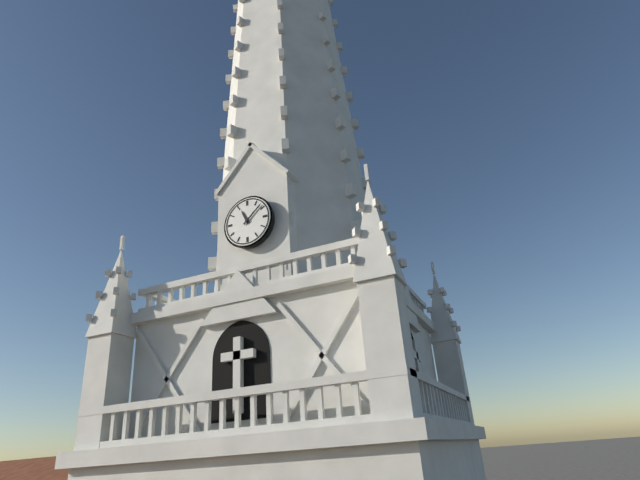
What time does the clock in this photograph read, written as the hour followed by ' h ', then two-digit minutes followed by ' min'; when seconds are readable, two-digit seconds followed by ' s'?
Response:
11 h 08 min
